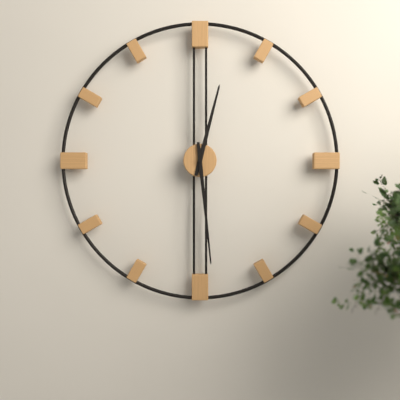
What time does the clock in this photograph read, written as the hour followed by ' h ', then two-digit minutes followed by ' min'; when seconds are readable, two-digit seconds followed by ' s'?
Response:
12 h 29 min
